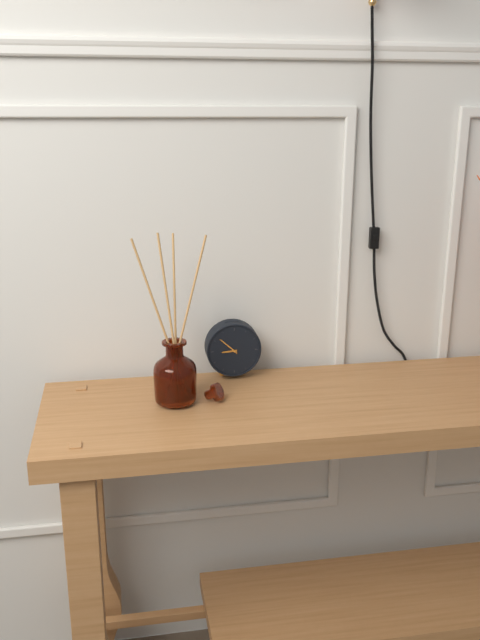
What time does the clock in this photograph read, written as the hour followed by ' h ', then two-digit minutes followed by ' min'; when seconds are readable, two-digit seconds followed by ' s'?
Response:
8 h 52 min
